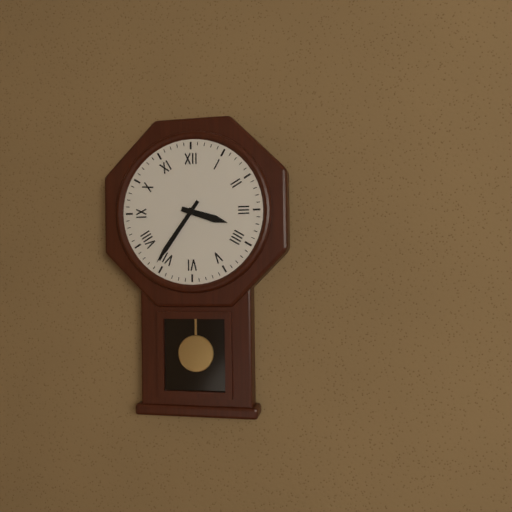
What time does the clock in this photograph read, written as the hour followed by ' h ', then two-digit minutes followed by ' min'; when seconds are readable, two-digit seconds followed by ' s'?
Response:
3 h 36 min
